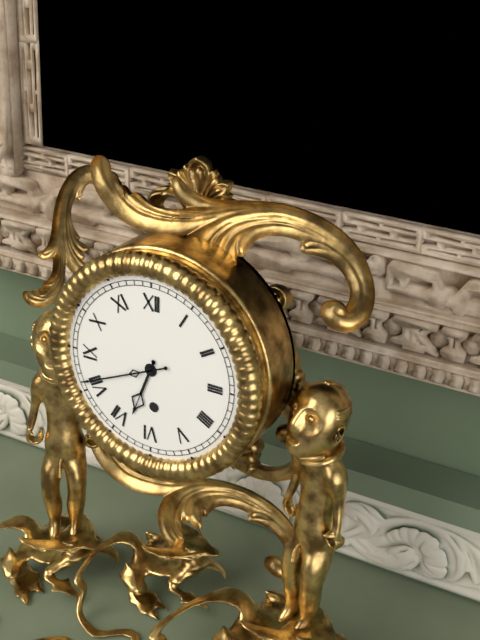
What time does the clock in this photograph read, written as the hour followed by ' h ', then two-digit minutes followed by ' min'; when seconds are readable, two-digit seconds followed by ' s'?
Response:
6 h 41 min
